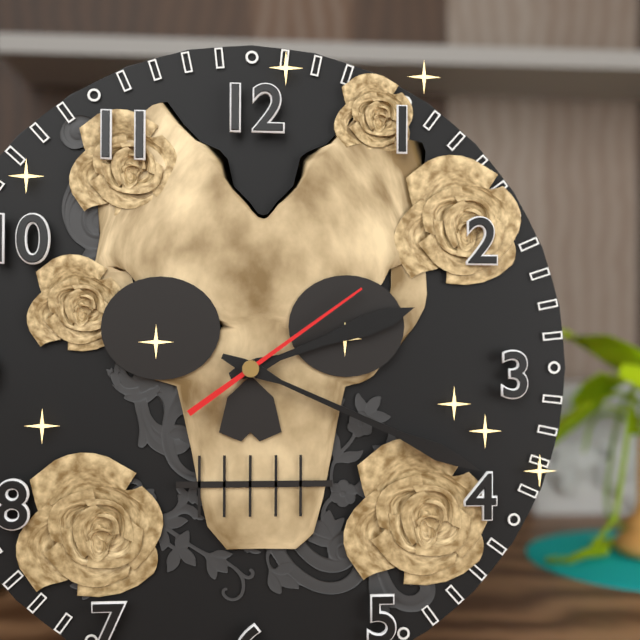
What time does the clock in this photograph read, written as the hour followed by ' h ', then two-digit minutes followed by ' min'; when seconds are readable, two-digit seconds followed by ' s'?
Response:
2 h 19 min 09 s
